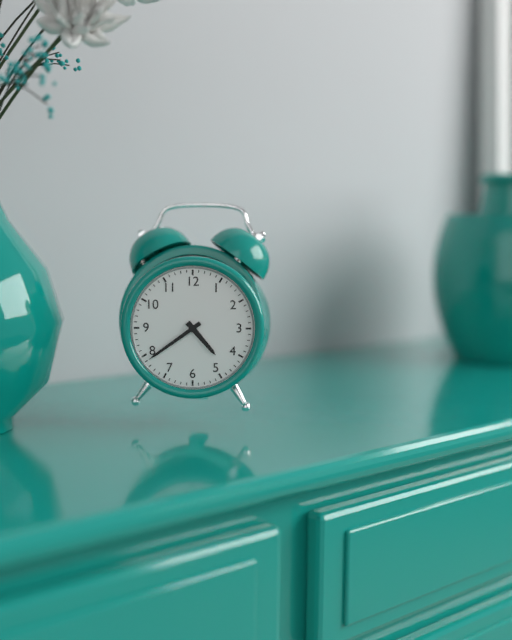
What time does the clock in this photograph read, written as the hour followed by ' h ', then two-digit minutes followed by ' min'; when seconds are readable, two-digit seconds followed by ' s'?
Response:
4 h 39 min
